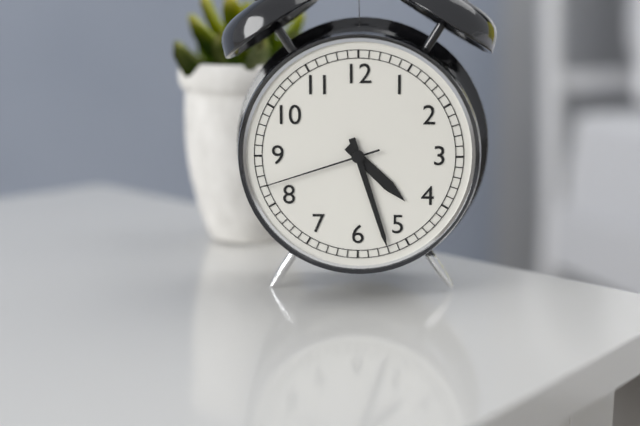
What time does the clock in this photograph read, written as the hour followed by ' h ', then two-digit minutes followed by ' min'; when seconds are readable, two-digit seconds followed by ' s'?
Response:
4 h 27 min 42 s
